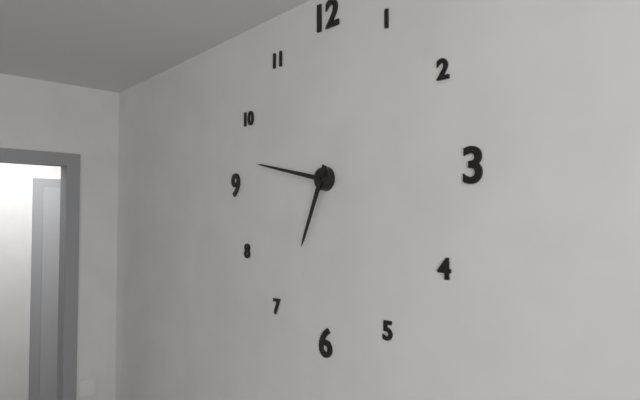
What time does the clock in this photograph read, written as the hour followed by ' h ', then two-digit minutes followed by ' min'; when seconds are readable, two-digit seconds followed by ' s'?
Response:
6 h 47 min
